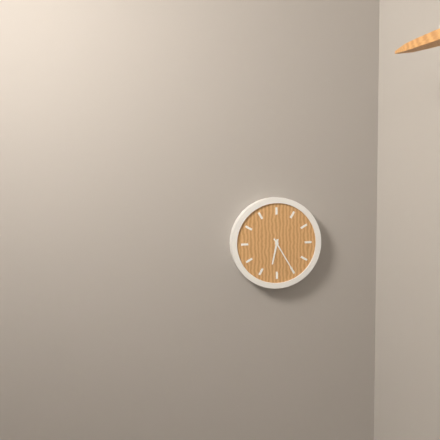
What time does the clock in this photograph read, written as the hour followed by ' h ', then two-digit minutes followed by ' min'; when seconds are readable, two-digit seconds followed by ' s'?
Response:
6 h 25 min
